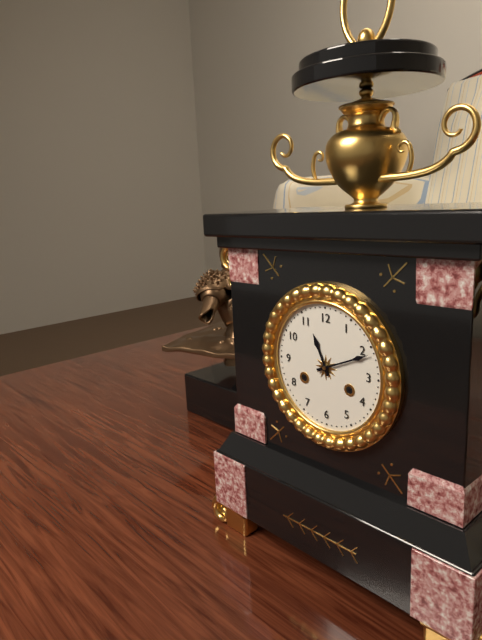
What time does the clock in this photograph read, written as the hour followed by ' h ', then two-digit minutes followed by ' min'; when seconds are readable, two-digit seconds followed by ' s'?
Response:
11 h 11 min
